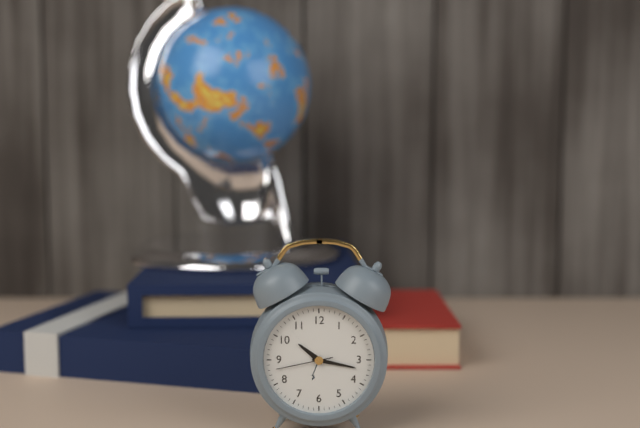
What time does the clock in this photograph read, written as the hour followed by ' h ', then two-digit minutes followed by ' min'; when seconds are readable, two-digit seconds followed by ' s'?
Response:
10 h 17 min 43 s
